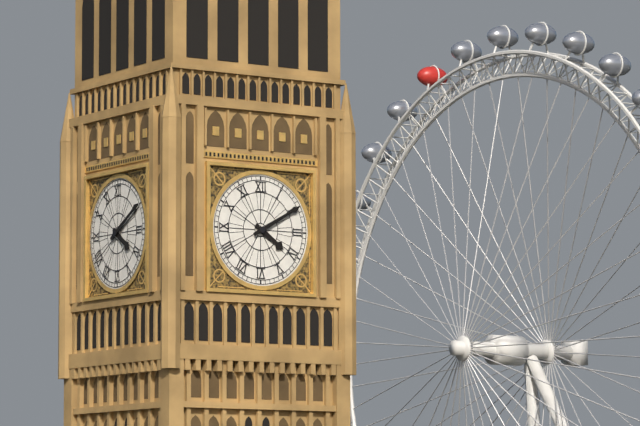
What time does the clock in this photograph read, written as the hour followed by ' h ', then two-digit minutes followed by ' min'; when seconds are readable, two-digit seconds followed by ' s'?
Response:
4 h 10 min
